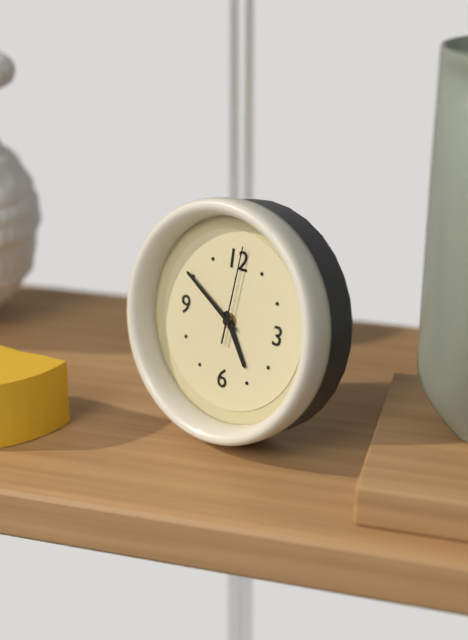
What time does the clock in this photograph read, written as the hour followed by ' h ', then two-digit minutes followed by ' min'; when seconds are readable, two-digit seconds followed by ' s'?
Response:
4 h 50 min 01 s
